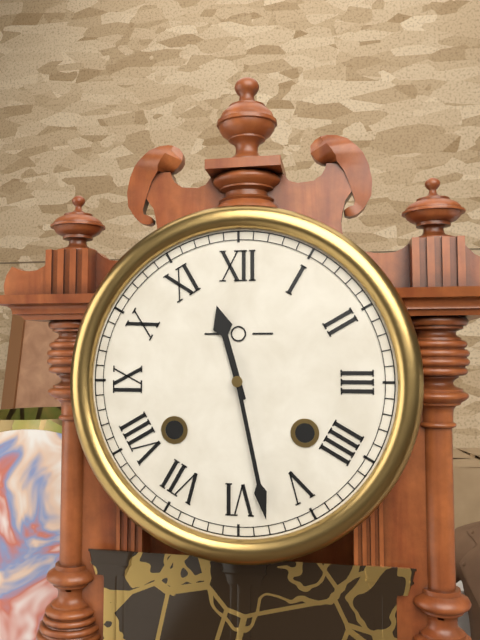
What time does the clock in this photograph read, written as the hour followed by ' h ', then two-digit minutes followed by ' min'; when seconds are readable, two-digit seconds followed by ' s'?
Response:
11 h 28 min
